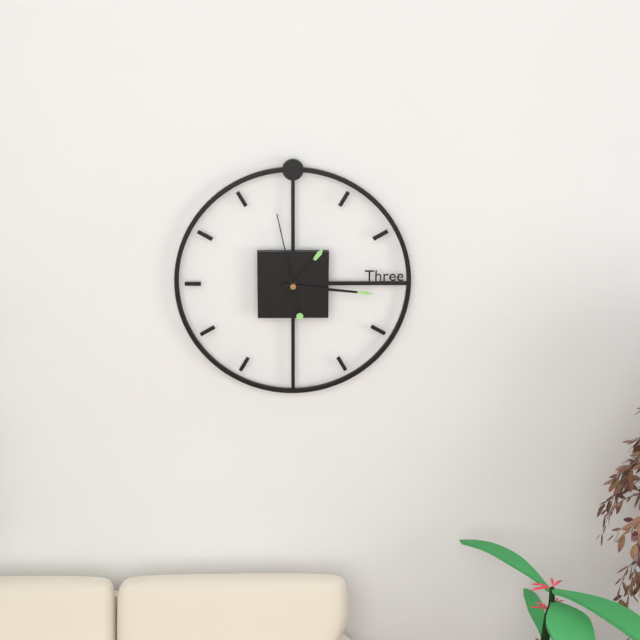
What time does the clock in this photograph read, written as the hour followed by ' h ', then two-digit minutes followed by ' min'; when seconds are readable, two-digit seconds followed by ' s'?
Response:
1 h 16 min 58 s
